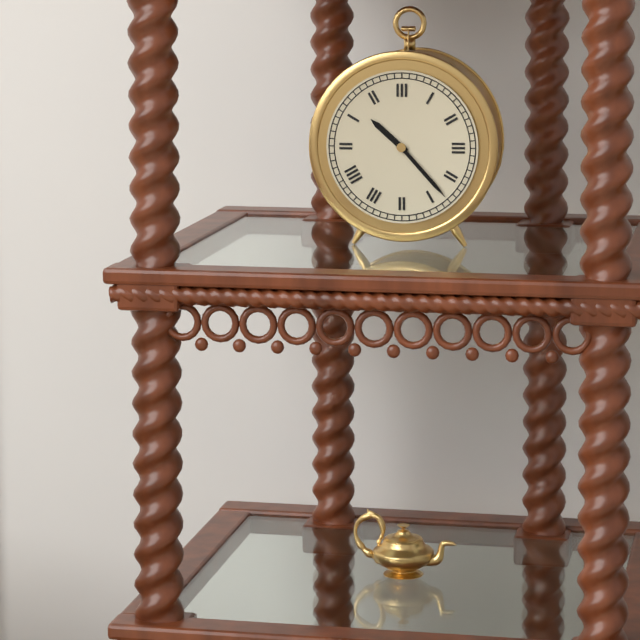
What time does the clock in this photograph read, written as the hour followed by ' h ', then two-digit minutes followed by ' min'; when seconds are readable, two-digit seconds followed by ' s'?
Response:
10 h 23 min
